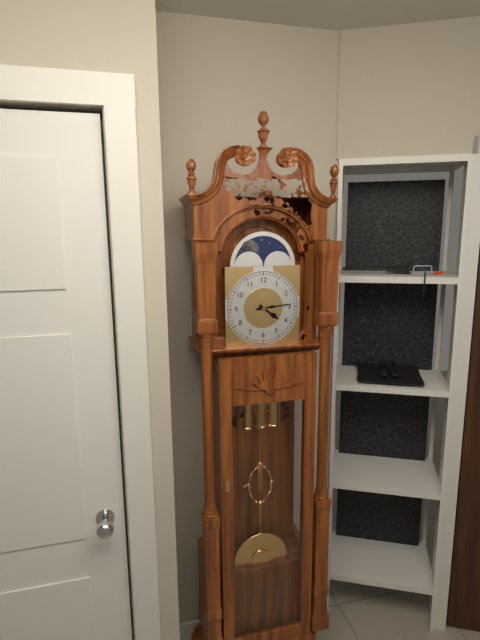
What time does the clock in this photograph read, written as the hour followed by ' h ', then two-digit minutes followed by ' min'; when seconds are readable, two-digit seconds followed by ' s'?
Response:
4 h 14 min
